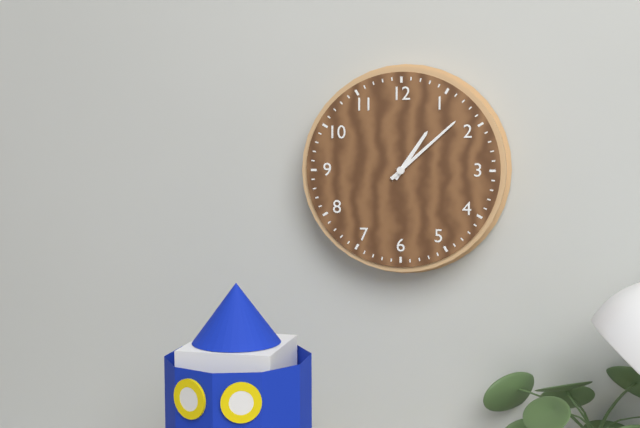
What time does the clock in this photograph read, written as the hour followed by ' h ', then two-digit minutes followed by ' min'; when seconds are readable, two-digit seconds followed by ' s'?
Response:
1 h 08 min
